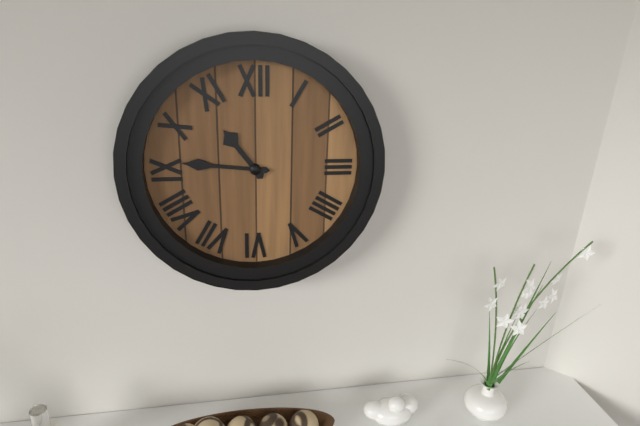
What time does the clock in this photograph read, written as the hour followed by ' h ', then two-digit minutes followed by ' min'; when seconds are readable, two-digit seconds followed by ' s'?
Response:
10 h 46 min
